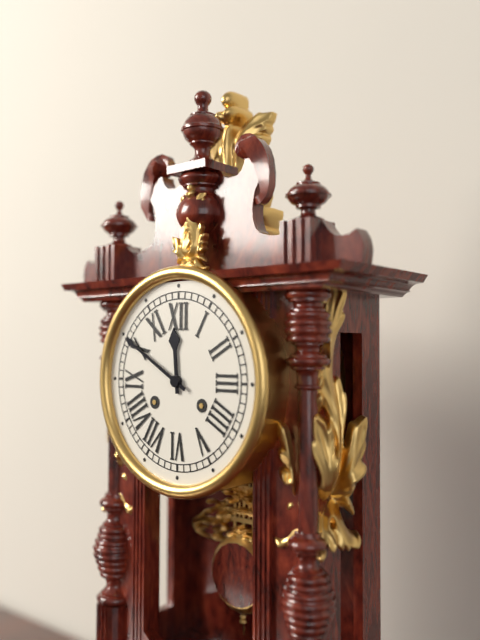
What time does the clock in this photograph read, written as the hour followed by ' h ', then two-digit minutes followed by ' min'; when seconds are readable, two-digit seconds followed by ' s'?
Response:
11 h 50 min
